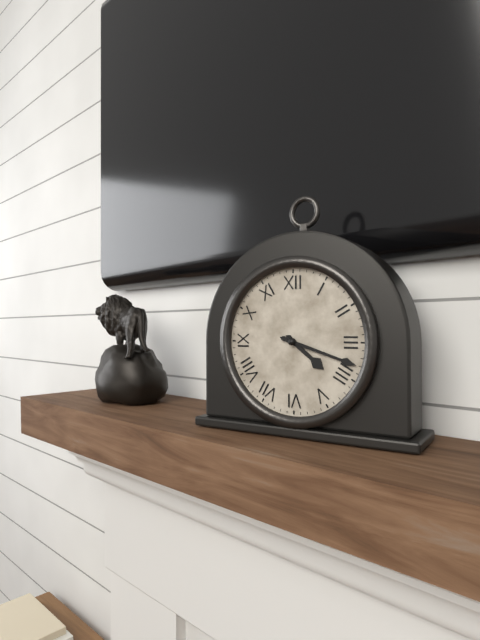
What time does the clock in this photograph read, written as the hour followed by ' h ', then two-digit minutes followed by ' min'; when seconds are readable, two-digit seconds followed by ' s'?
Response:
4 h 18 min
